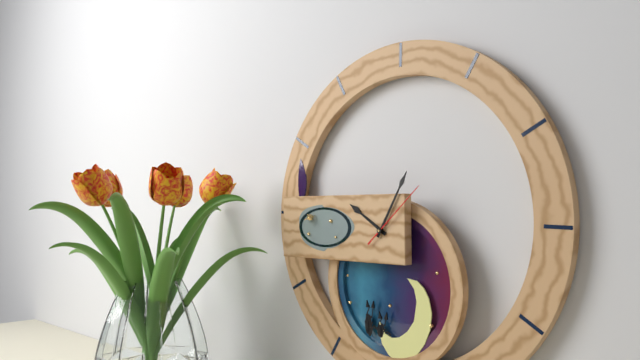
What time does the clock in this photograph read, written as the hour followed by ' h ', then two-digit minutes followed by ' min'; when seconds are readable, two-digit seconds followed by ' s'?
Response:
10 h 05 min 08 s
